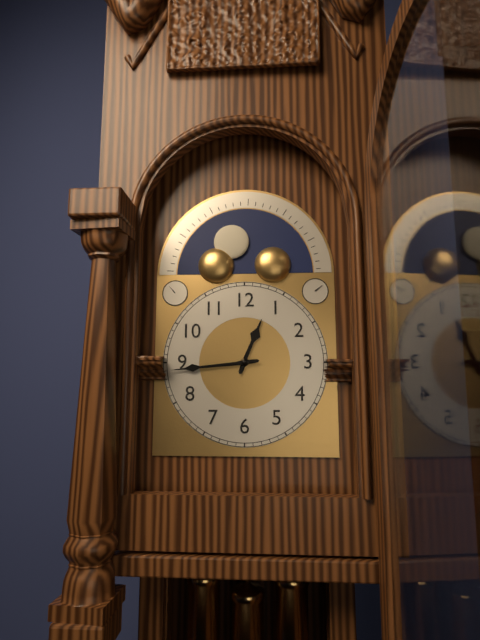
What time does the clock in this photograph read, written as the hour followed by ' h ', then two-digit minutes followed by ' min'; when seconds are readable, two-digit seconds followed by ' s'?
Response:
12 h 44 min
